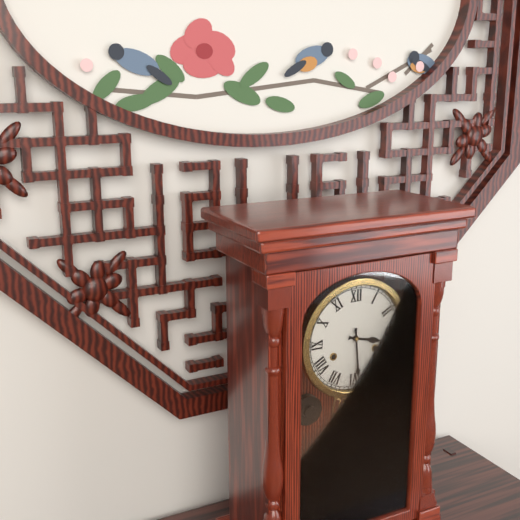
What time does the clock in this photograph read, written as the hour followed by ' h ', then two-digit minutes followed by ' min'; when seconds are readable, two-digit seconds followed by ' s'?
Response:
3 h 29 min
